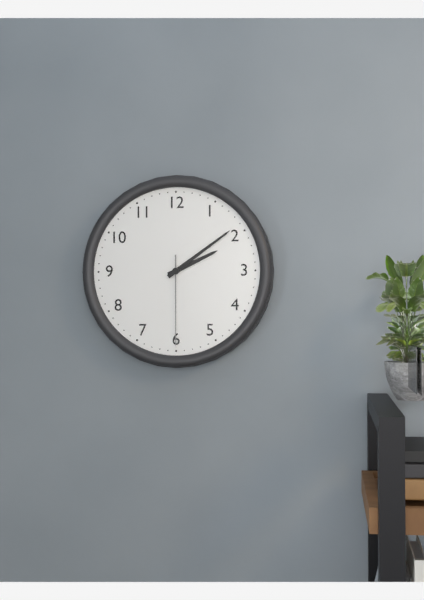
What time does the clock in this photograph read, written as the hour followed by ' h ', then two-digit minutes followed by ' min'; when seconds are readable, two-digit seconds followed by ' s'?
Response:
2 h 09 min 30 s
